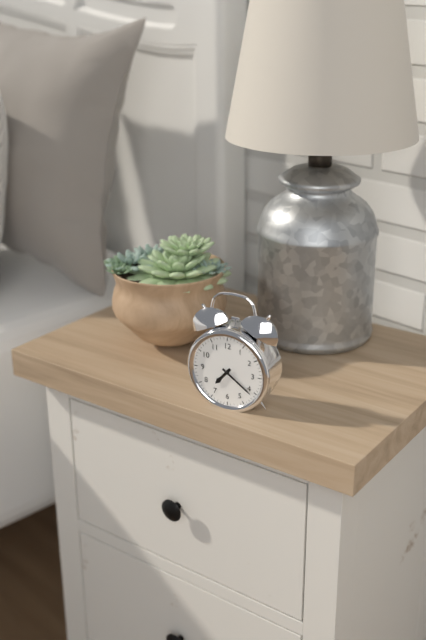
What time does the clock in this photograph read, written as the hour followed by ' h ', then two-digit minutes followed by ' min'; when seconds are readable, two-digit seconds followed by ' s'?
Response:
7 h 21 min
